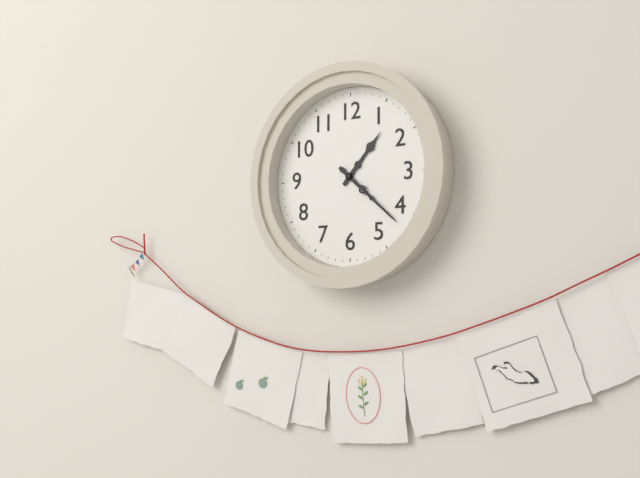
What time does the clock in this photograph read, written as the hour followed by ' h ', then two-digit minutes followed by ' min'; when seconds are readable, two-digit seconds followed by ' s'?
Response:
1 h 22 min
